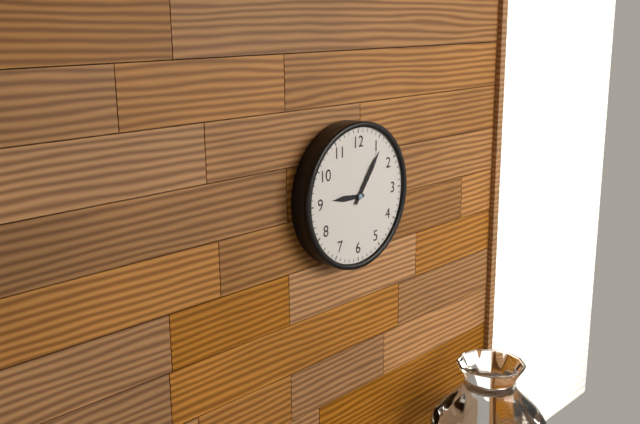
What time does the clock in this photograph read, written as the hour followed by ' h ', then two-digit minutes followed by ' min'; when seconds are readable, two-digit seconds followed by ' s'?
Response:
9 h 06 min
